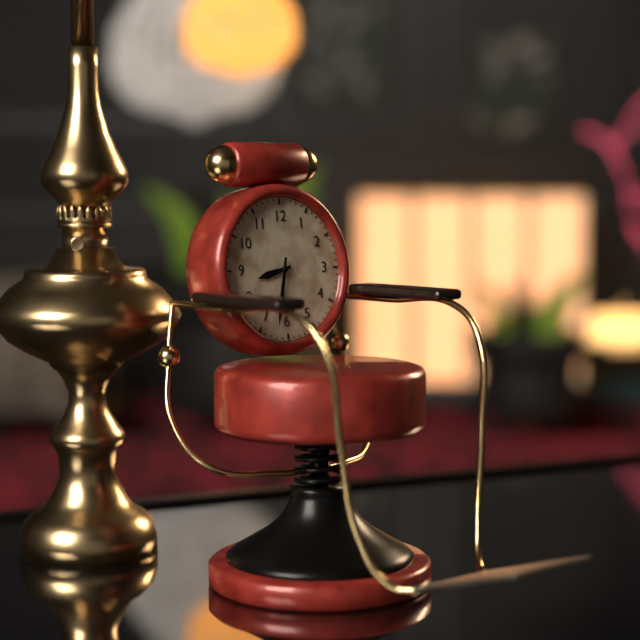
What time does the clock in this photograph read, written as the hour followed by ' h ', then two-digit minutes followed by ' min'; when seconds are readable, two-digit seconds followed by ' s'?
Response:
8 h 32 min
